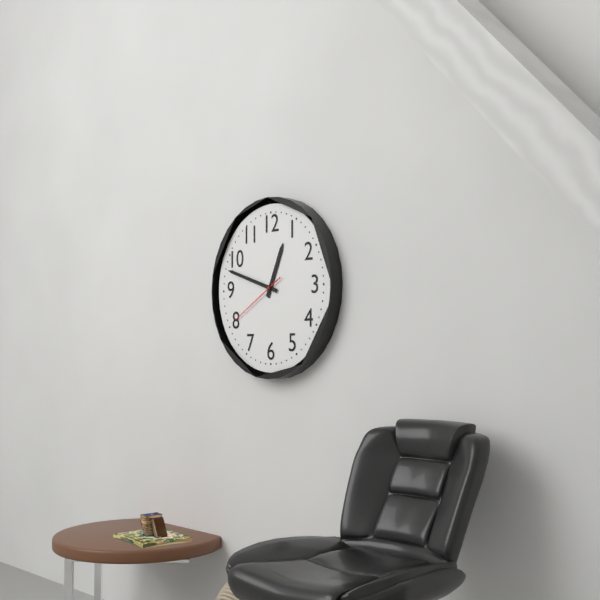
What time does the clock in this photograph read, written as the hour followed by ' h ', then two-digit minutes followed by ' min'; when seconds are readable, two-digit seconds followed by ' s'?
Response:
12 h 48 min 40 s
